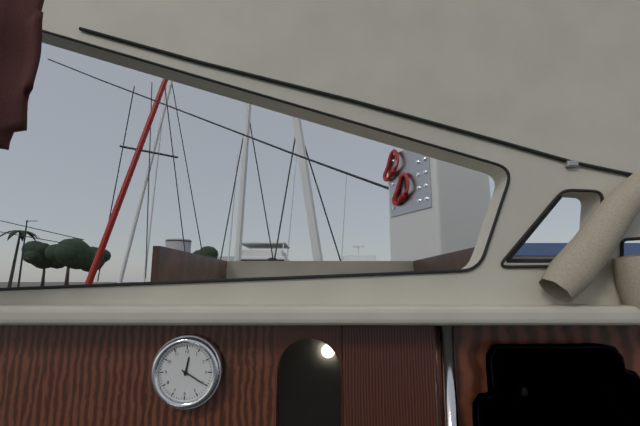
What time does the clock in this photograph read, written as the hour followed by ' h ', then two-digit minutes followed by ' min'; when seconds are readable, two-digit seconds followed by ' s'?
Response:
12 h 20 min
